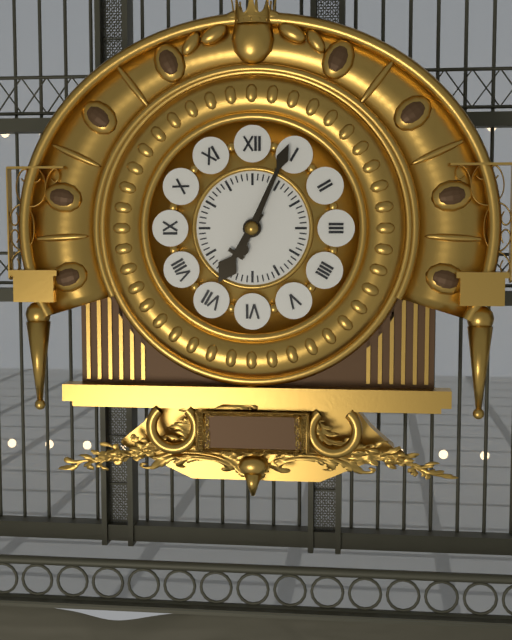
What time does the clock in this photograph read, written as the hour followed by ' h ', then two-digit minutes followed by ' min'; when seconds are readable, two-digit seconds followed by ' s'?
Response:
7 h 04 min
